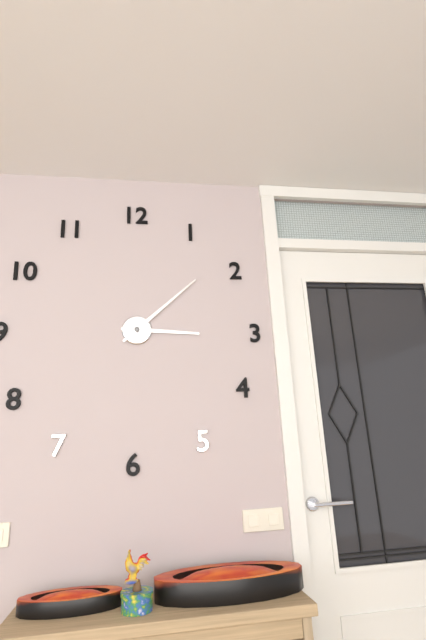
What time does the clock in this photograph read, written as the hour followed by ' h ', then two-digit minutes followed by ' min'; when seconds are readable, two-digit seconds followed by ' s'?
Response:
3 h 08 min
